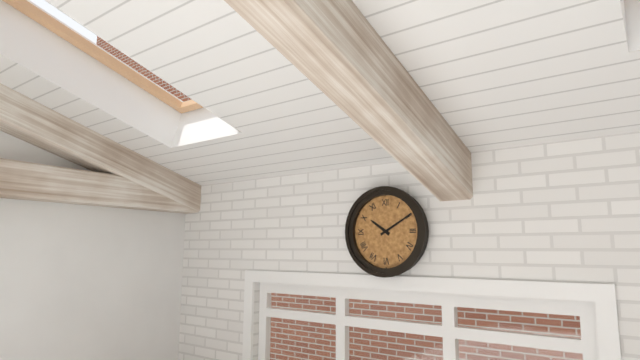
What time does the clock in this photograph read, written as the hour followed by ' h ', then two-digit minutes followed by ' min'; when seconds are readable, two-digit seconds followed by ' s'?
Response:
10 h 10 min
